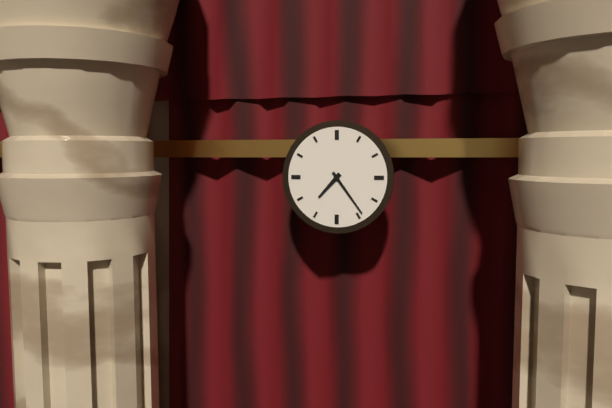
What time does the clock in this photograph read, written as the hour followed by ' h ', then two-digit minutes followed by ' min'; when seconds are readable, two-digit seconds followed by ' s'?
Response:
7 h 24 min
